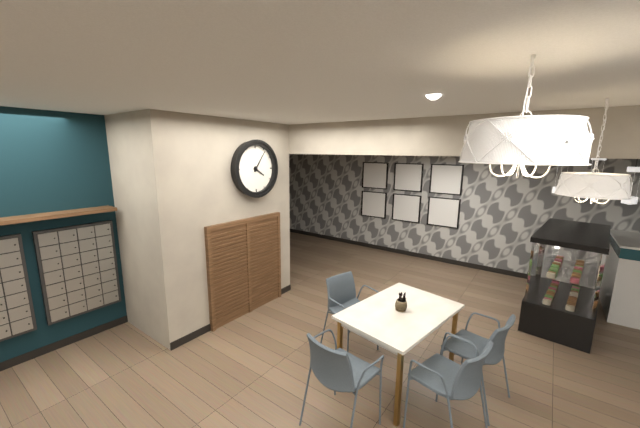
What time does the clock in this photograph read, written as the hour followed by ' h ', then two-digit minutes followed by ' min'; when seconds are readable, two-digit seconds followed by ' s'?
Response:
4 h 06 min
